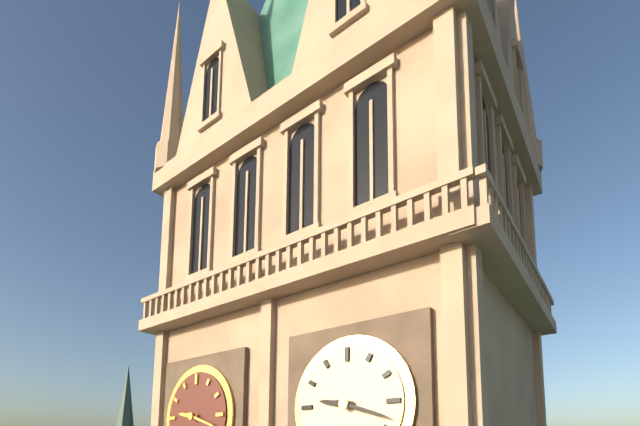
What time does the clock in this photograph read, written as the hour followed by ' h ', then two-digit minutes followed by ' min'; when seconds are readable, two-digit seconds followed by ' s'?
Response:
9 h 18 min
